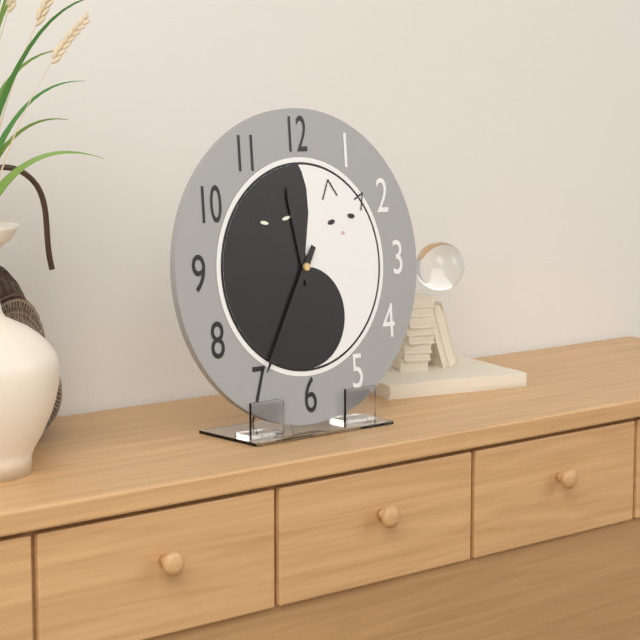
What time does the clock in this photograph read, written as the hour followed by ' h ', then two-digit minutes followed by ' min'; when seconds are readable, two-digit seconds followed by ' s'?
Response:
11 h 35 min
